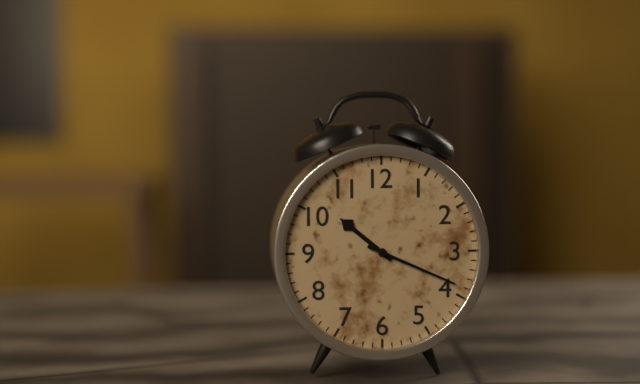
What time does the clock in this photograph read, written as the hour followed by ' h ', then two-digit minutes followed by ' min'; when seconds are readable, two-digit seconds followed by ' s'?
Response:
10 h 19 min
